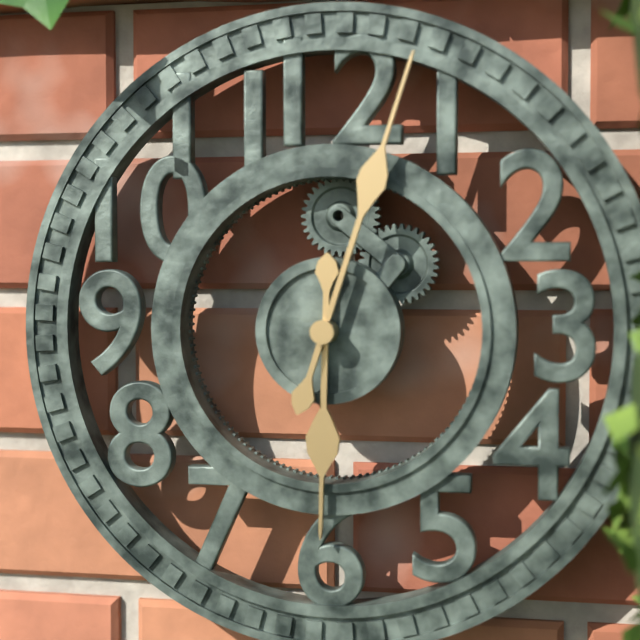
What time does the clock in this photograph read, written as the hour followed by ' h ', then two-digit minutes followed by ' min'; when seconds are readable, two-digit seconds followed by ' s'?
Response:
6 h 03 min
